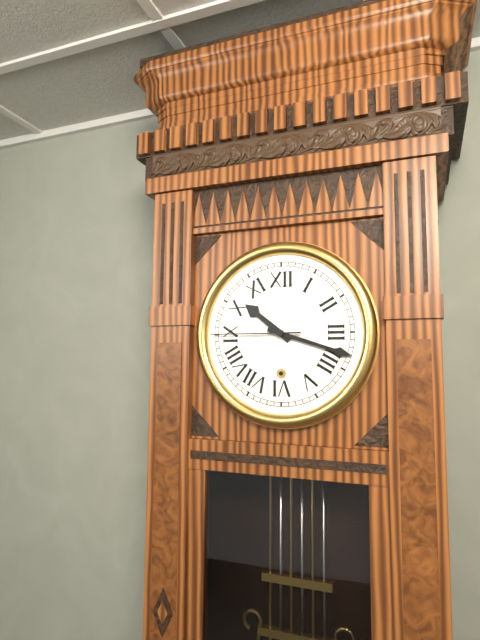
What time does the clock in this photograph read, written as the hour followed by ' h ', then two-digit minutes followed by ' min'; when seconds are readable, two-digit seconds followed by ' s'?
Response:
10 h 18 min 45 s
